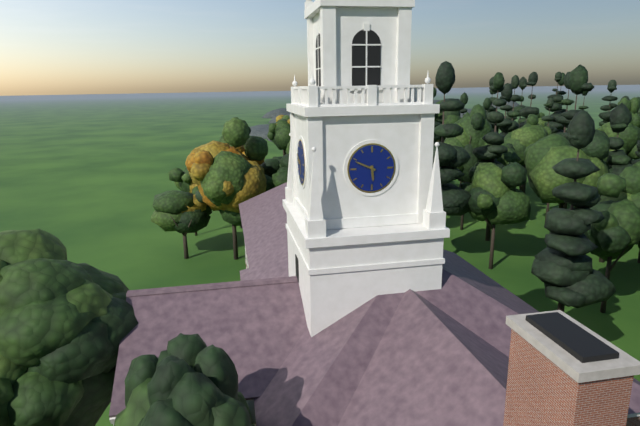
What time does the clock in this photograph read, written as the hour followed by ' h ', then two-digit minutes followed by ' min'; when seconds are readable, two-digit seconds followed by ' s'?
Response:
5 h 49 min
